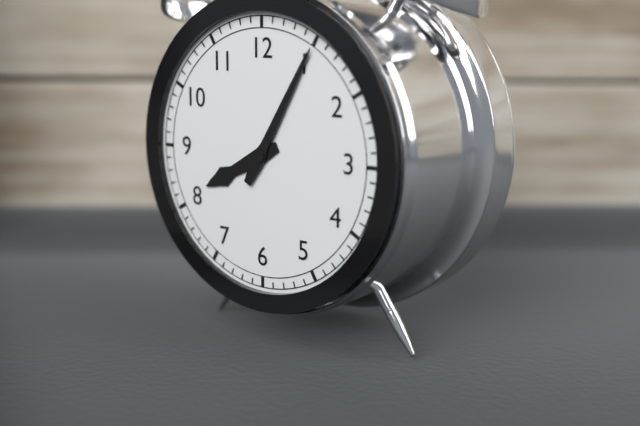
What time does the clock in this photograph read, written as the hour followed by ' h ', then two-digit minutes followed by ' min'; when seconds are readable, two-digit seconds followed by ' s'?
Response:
8 h 05 min
